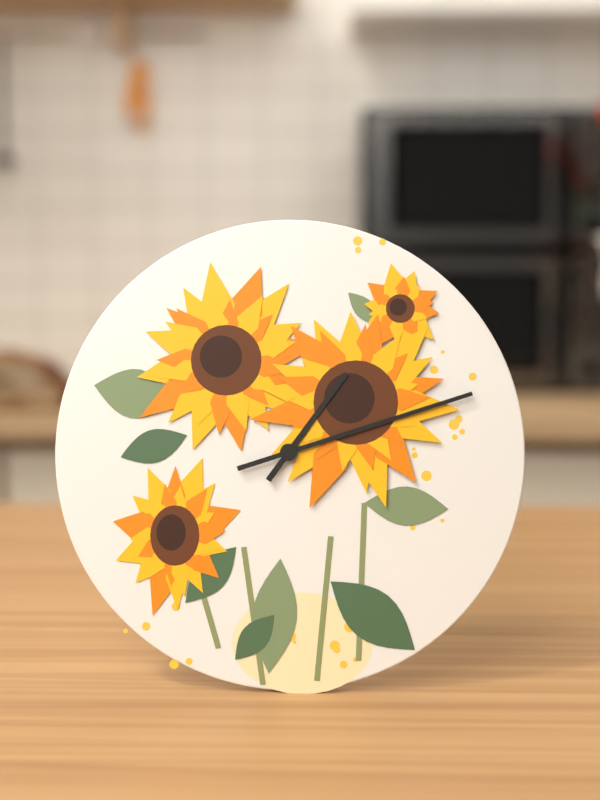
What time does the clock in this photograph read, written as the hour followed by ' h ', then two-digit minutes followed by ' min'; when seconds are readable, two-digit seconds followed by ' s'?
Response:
1 h 12 min
